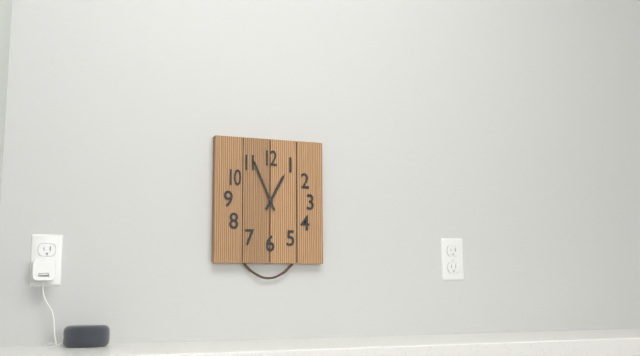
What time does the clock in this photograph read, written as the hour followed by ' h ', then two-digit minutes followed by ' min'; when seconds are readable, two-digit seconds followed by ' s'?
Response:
12 h 56 min
